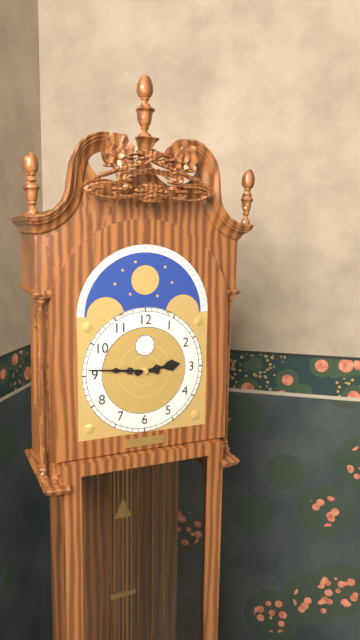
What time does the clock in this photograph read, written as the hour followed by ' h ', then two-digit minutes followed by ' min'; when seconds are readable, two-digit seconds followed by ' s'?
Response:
2 h 46 min
